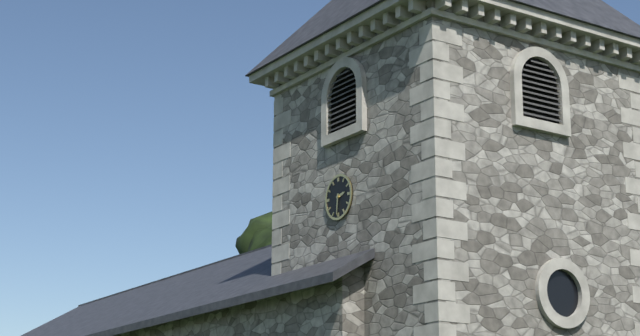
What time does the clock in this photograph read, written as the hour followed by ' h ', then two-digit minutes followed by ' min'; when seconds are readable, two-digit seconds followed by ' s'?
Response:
2 h 31 min
